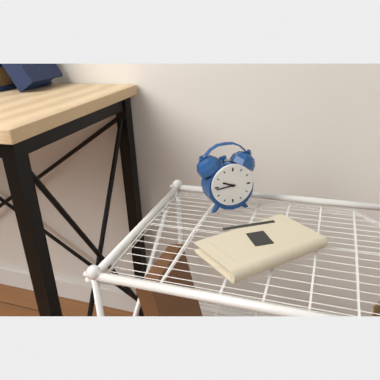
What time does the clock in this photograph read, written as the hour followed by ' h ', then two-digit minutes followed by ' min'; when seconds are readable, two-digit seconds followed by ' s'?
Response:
9 h 44 min
